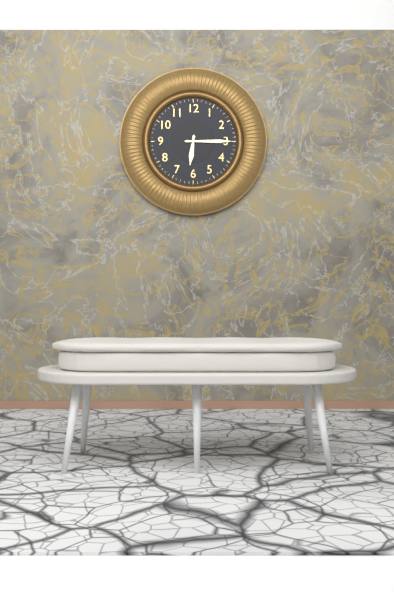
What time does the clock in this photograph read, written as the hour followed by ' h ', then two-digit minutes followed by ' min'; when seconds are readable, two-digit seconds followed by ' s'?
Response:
6 h 15 min
